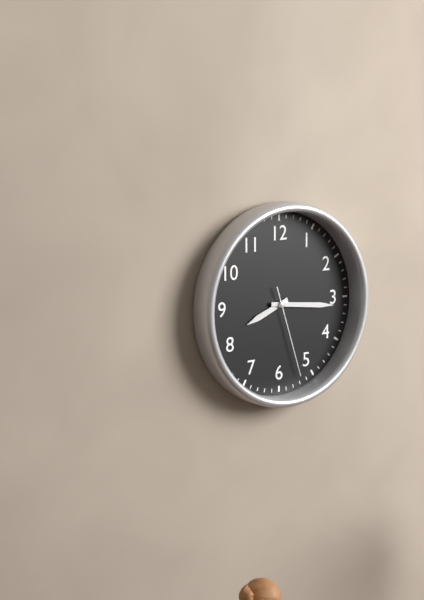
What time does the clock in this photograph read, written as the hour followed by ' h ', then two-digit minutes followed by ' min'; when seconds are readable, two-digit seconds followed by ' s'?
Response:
8 h 16 min 27 s
